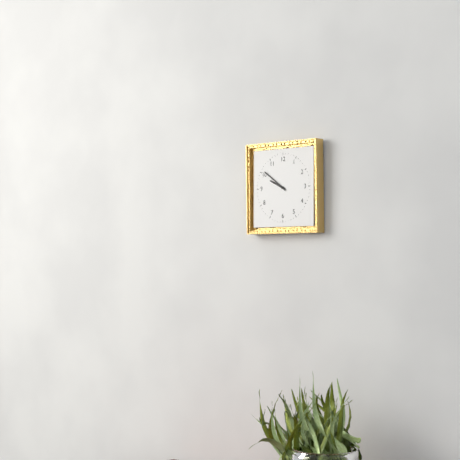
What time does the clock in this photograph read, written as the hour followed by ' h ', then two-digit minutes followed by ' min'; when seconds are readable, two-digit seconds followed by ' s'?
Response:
9 h 51 min
